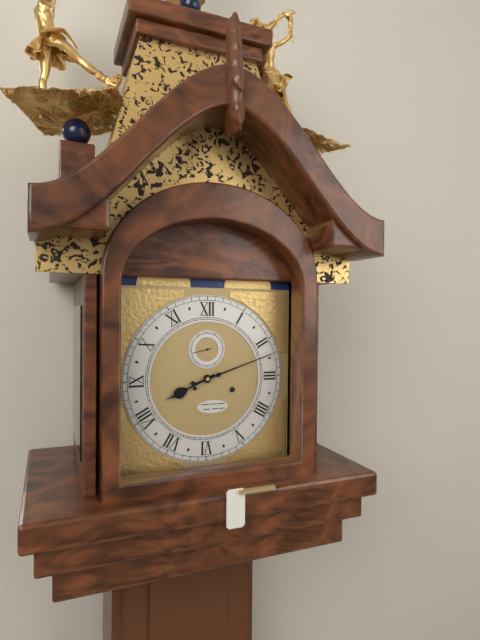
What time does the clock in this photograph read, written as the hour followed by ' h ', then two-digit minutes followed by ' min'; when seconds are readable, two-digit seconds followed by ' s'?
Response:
8 h 12 min
